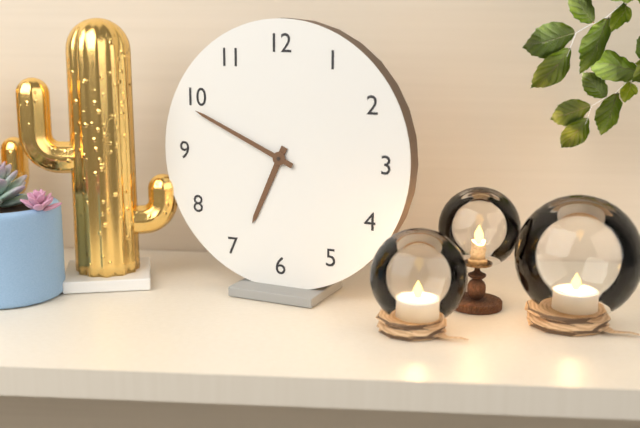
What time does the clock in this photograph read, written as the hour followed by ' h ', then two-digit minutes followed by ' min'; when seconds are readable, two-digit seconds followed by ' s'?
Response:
6 h 49 min
